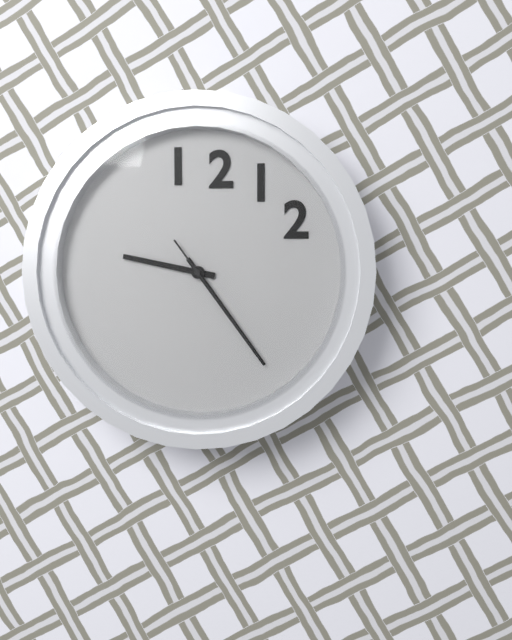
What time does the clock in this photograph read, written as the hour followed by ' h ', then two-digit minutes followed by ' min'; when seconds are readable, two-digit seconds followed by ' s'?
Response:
9 h 24 min 24 s
